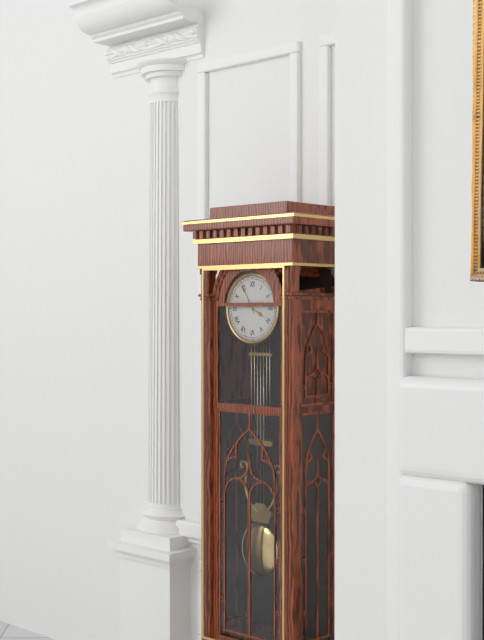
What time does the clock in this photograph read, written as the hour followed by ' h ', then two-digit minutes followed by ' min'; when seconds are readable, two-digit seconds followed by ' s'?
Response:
3 h 55 min
